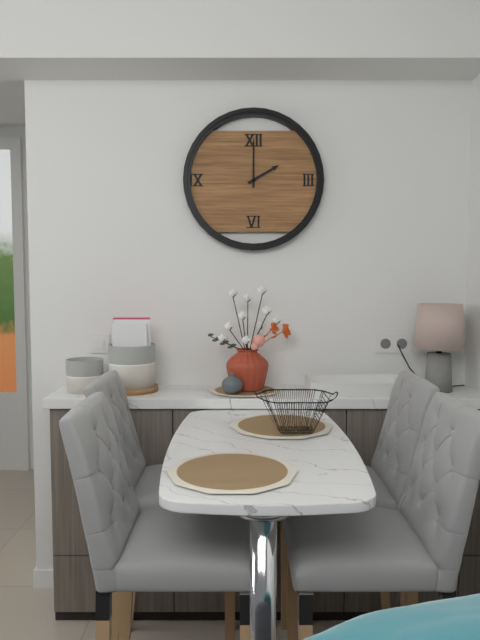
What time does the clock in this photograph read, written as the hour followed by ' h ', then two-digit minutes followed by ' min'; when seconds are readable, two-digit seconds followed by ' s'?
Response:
2 h 00 min
